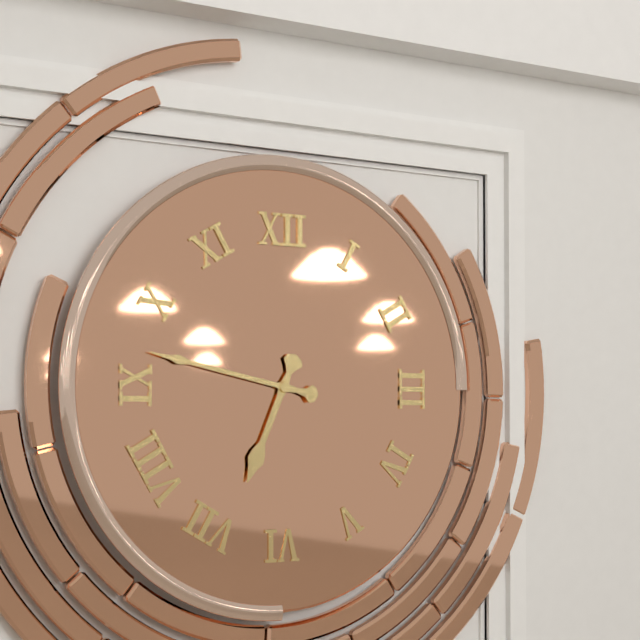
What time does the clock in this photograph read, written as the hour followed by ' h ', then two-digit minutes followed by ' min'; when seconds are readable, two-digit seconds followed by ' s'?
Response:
6 h 47 min
